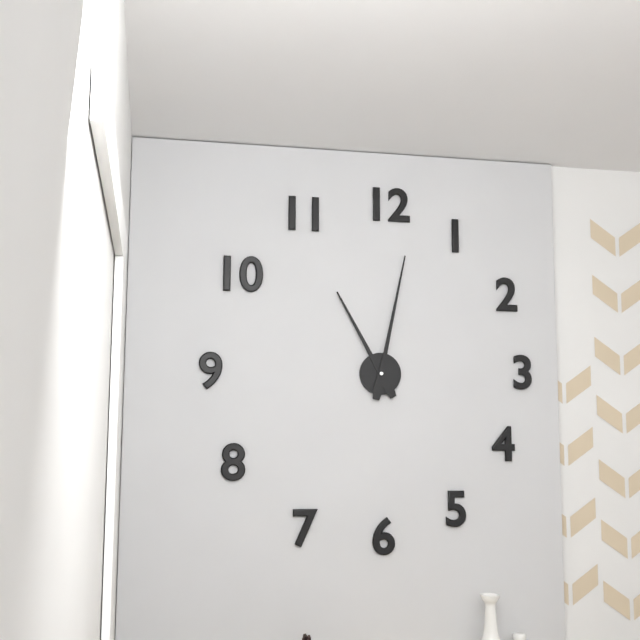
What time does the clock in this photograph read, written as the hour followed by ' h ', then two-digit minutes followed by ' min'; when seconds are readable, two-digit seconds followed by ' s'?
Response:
11 h 02 min
